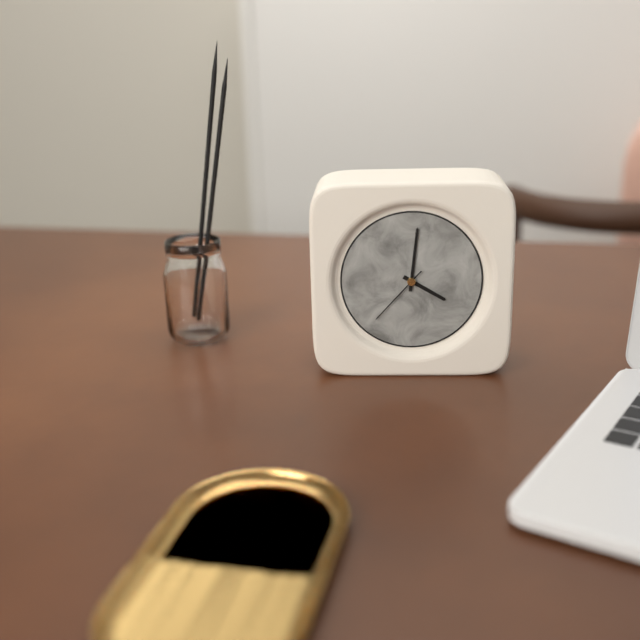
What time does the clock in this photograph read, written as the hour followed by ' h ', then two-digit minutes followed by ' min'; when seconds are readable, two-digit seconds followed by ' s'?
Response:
4 h 01 min 37 s
